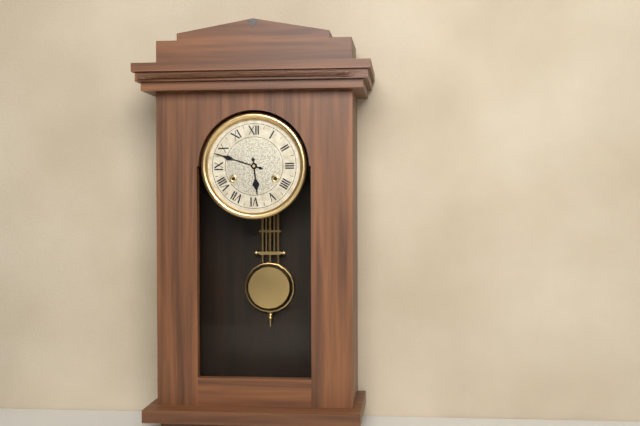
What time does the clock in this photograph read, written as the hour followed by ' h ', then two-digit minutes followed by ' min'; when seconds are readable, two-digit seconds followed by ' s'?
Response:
5 h 48 min
